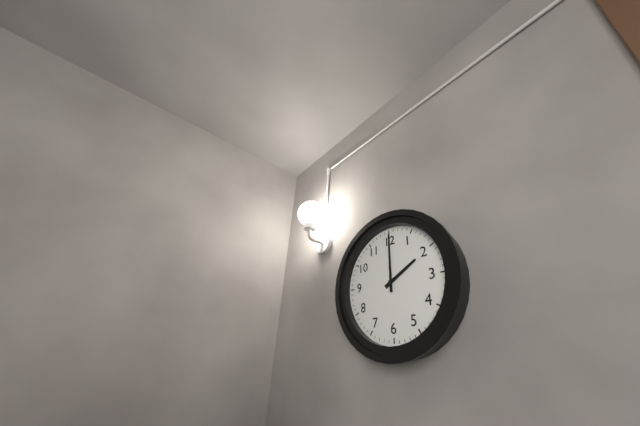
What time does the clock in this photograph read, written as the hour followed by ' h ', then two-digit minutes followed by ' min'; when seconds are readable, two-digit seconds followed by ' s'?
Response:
2 h 00 min
